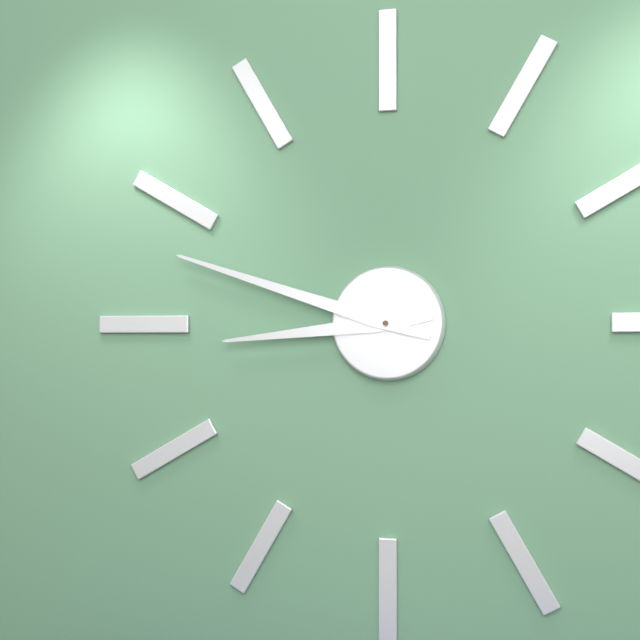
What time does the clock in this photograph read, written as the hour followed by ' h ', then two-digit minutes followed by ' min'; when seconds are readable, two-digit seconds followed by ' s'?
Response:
8 h 48 min
